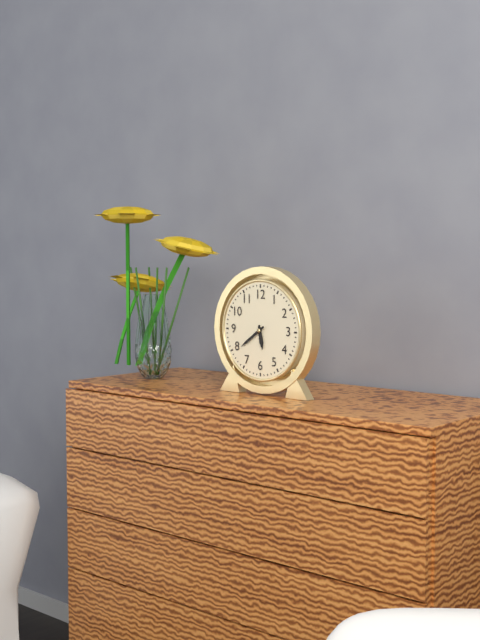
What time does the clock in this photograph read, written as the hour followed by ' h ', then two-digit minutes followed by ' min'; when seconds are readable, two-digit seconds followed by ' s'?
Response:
5 h 39 min
